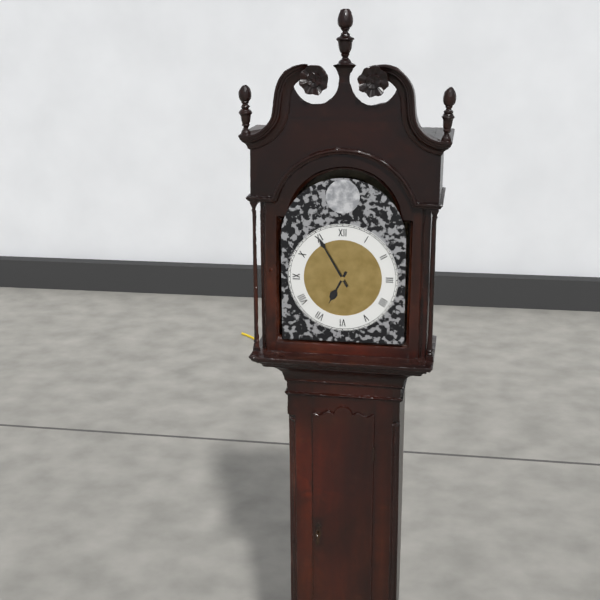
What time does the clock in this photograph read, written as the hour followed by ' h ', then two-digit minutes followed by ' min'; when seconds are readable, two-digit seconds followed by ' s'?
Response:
6 h 55 min
